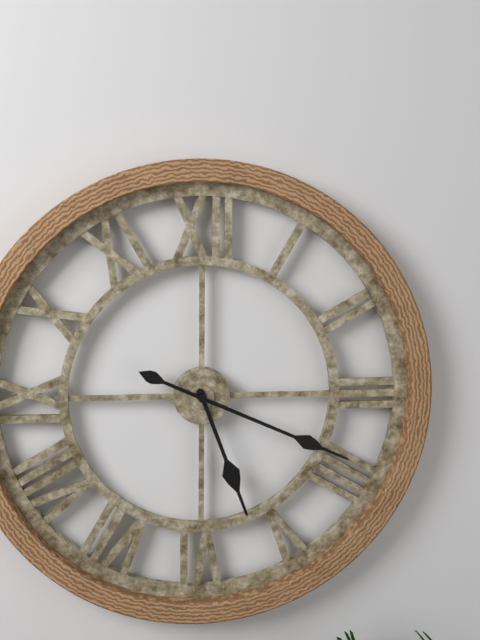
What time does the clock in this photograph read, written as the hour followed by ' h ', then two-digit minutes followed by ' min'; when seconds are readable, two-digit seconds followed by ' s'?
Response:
5 h 19 min
